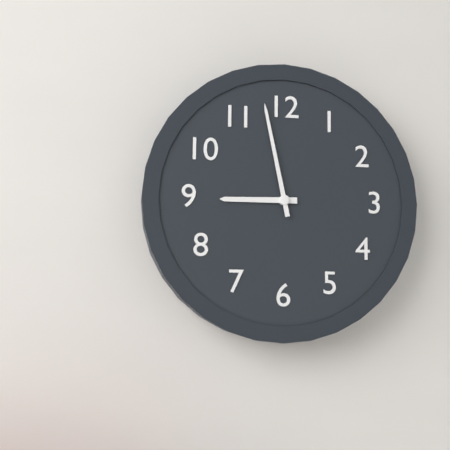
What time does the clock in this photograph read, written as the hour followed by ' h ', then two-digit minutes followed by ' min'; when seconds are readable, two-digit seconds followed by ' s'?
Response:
8 h 58 min
